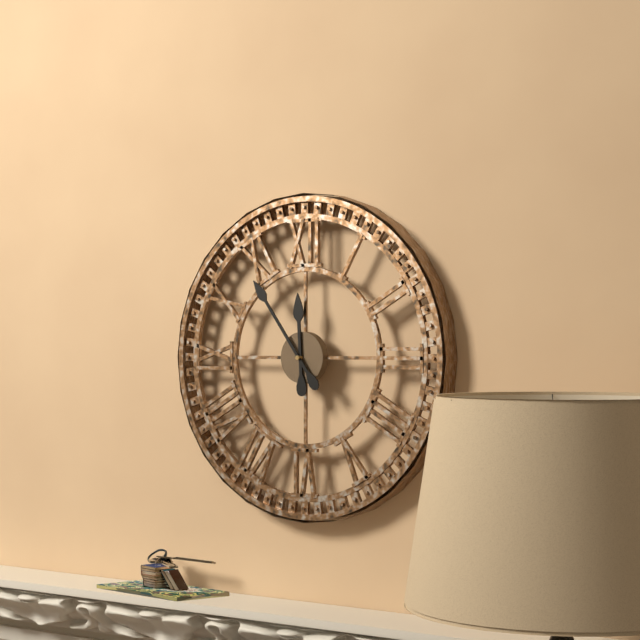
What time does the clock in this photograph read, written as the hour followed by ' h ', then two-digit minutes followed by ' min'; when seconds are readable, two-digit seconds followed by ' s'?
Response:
11 h 54 min
